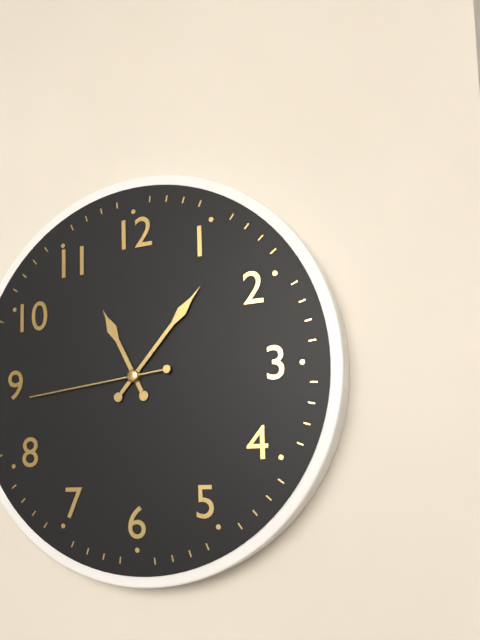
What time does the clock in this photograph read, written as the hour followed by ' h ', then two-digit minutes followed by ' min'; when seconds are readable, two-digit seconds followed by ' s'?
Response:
11 h 07 min 44 s
